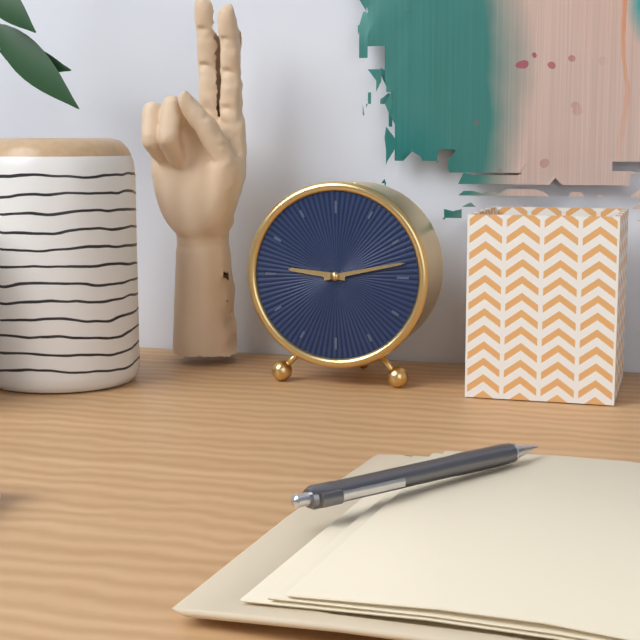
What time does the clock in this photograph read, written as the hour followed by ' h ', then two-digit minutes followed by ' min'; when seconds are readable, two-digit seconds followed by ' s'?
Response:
9 h 13 min
